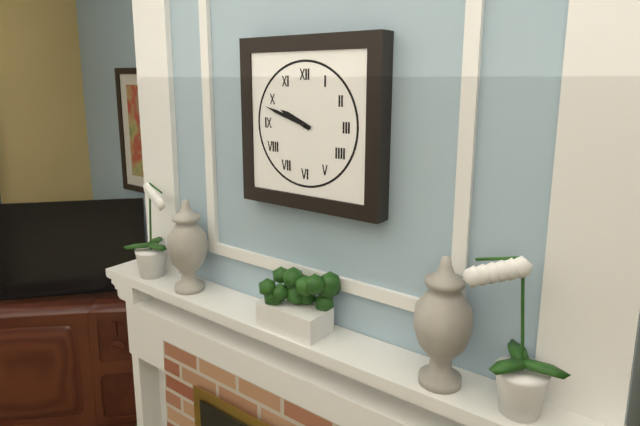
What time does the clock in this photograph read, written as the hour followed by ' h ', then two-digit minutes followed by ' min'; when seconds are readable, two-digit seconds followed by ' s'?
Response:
9 h 48 min
